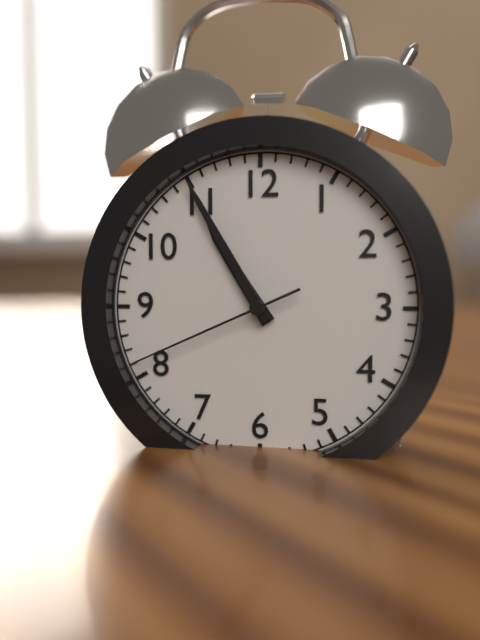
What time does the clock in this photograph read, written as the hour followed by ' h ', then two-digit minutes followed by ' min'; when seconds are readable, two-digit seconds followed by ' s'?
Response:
10 h 55 min 41 s
